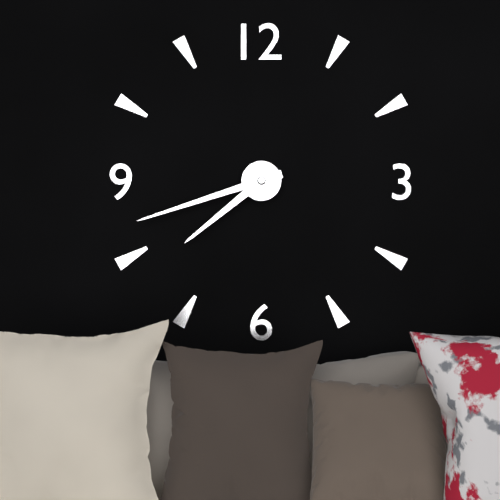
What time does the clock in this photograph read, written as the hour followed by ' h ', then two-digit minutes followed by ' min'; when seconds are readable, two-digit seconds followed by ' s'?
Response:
7 h 42 min
